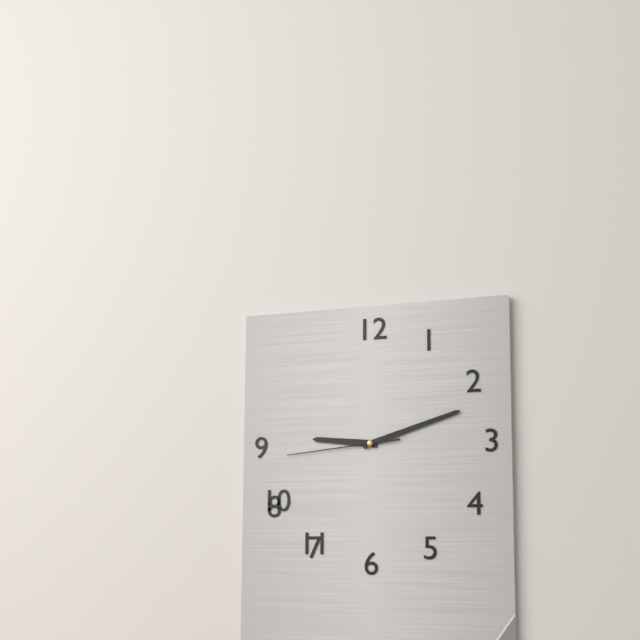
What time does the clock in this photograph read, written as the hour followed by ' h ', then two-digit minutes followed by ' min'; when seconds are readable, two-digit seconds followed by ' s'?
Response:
9 h 12 min 44 s
